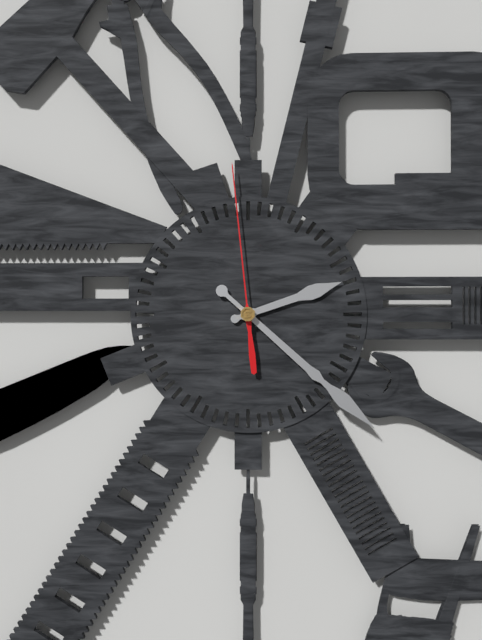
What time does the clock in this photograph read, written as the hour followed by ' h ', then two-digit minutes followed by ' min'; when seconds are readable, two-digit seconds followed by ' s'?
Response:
2 h 22 min 59 s
